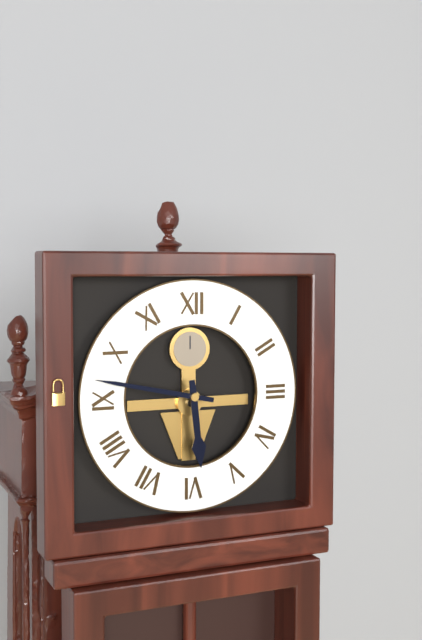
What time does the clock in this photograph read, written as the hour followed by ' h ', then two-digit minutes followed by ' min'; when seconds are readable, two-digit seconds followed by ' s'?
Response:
5 h 47 min
